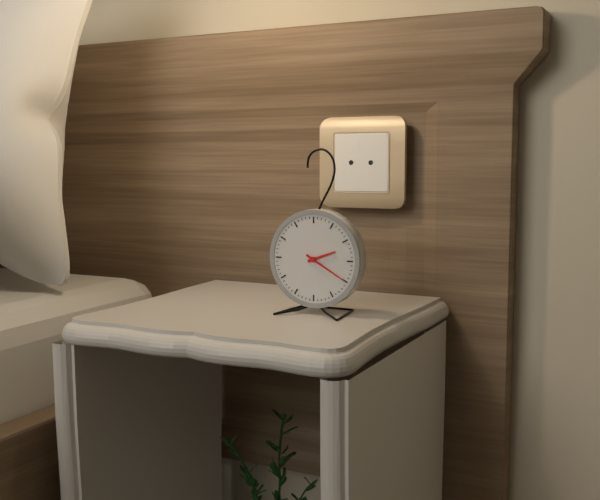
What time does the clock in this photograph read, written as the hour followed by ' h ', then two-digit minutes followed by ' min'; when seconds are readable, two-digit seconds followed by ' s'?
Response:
2 h 20 min
